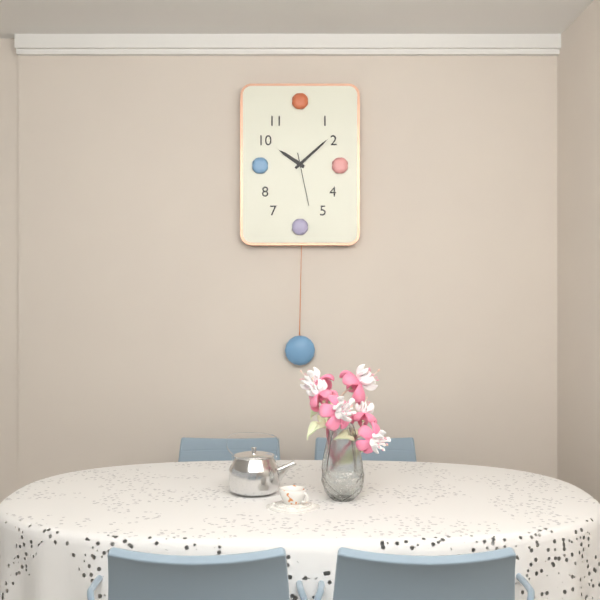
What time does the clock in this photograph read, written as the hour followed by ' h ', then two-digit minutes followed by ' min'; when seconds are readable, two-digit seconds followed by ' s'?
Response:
10 h 08 min 28 s
